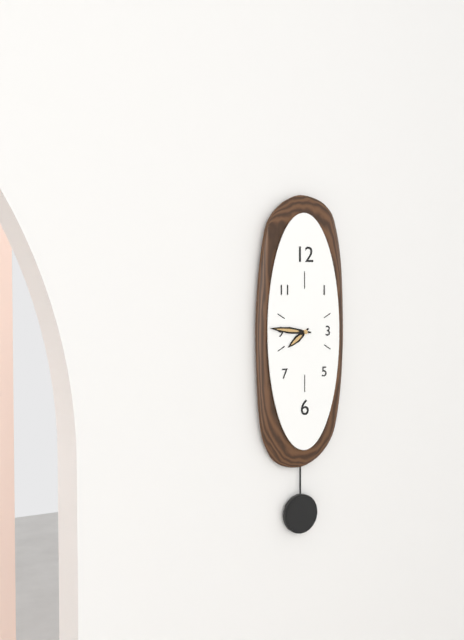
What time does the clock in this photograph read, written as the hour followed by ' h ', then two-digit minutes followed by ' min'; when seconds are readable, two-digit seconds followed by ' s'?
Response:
7 h 46 min
